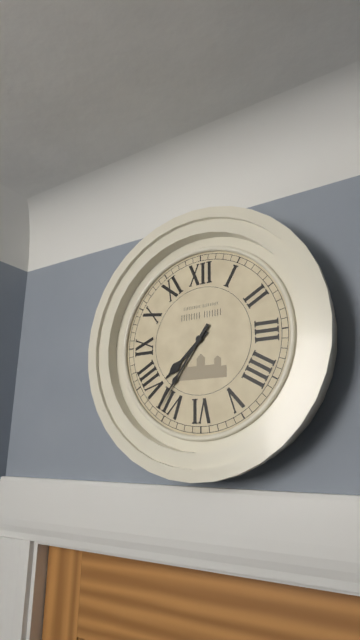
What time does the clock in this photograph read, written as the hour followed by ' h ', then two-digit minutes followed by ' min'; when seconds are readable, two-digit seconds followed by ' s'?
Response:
7 h 36 min
